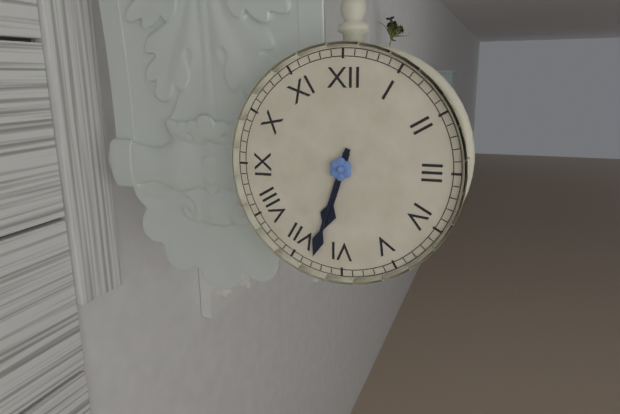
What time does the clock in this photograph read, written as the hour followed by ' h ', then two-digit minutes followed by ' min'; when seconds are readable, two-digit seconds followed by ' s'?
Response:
6 h 33 min
